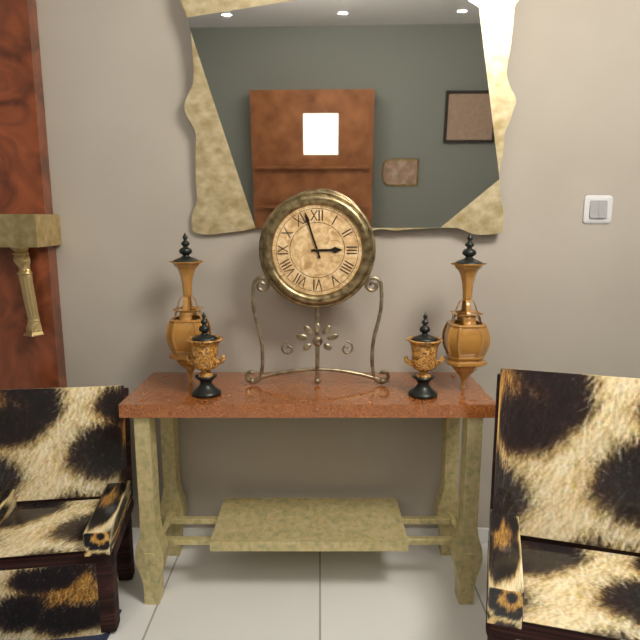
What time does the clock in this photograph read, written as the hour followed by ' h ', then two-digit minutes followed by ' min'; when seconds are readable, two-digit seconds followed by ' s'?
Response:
2 h 57 min
